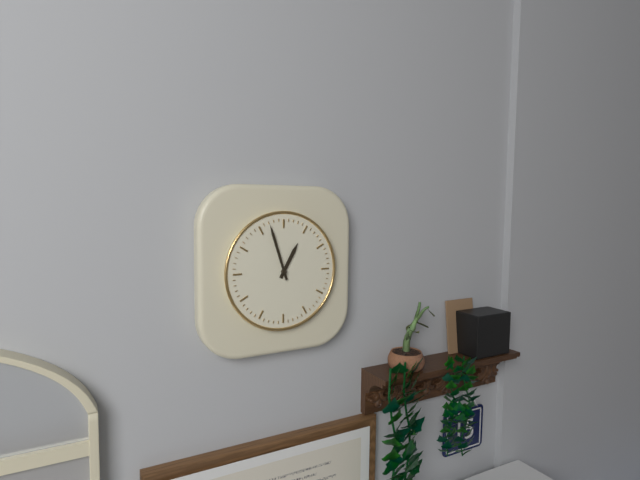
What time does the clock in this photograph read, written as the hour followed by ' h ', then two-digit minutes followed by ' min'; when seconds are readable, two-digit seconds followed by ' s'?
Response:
12 h 57 min
